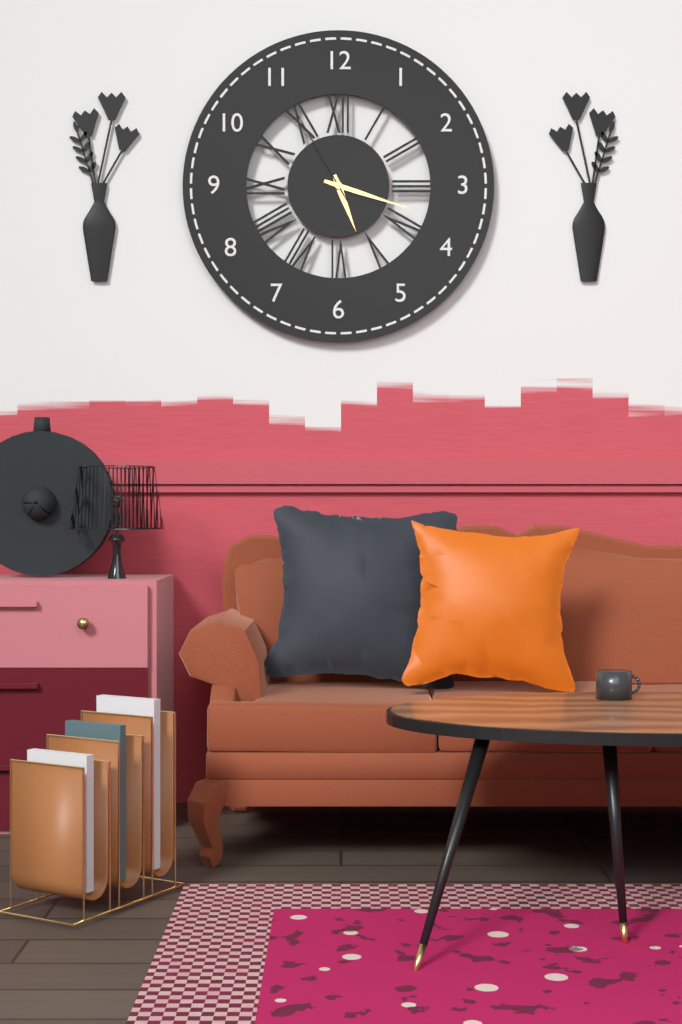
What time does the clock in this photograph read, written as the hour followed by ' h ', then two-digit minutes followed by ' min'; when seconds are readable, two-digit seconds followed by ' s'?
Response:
5 h 18 min 55 s
